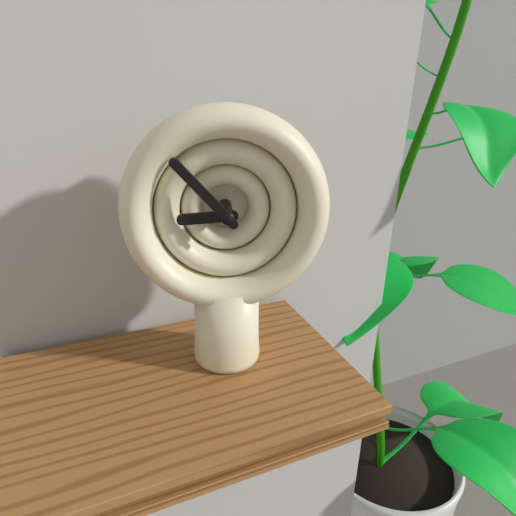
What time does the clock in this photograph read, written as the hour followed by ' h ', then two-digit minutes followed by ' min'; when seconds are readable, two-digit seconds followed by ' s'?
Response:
8 h 53 min
